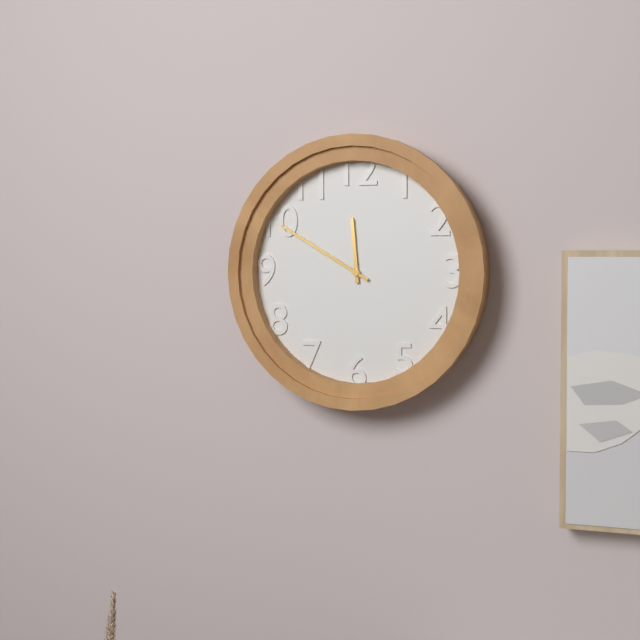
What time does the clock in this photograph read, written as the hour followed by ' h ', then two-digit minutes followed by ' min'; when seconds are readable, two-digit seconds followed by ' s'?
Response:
11 h 50 min
